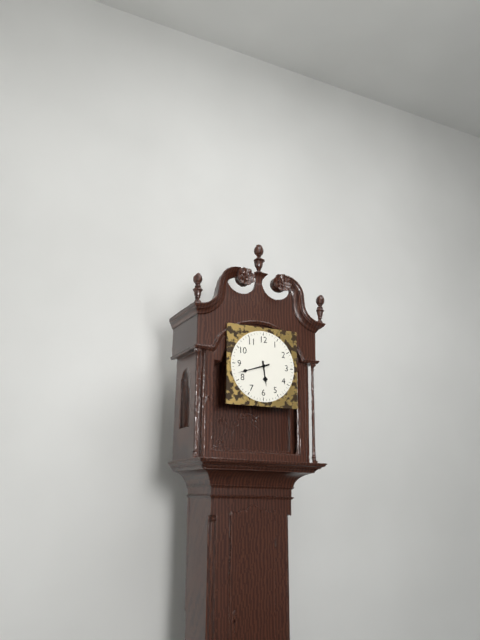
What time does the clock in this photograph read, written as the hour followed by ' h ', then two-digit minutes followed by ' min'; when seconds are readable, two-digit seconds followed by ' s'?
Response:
5 h 42 min
